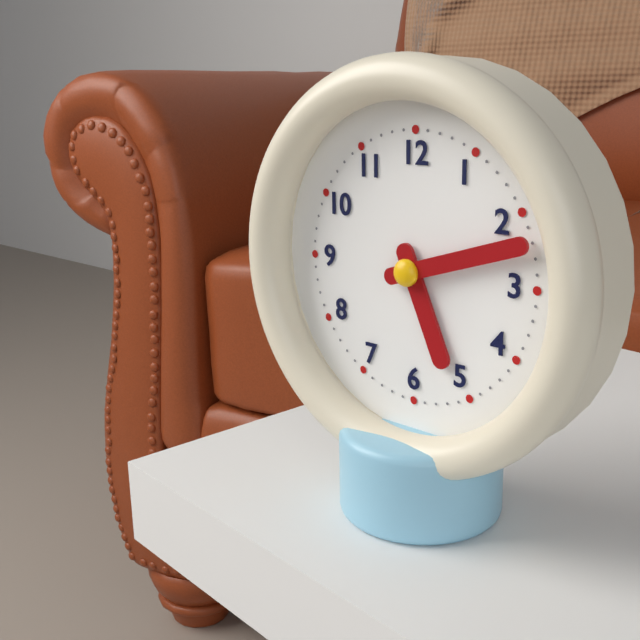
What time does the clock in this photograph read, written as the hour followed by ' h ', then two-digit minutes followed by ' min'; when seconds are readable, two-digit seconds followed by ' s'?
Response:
5 h 12 min
